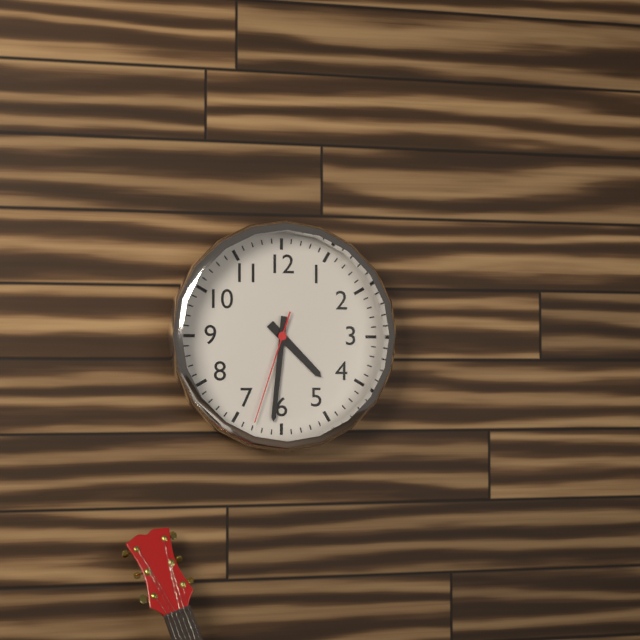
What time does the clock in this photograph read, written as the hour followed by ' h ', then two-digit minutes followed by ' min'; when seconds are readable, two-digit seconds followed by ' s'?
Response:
4 h 31 min 33 s
